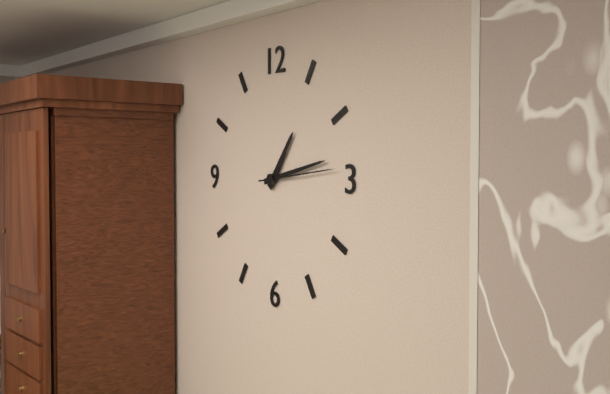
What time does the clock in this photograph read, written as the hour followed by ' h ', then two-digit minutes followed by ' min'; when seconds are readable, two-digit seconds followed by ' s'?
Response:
1 h 13 min 14 s
